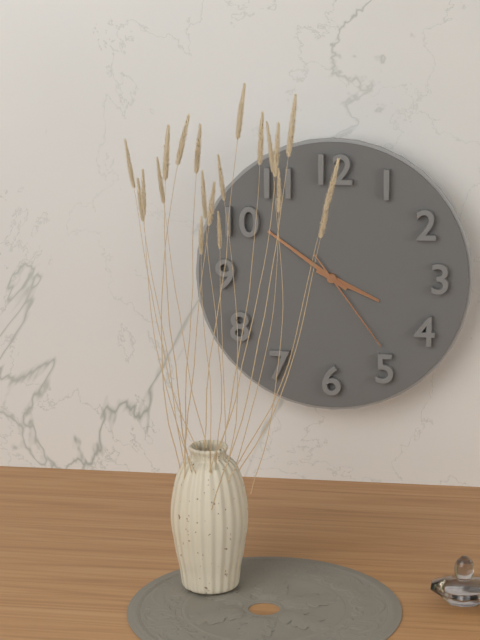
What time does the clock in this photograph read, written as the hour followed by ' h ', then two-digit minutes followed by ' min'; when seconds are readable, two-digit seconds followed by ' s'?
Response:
3 h 51 min 24 s
